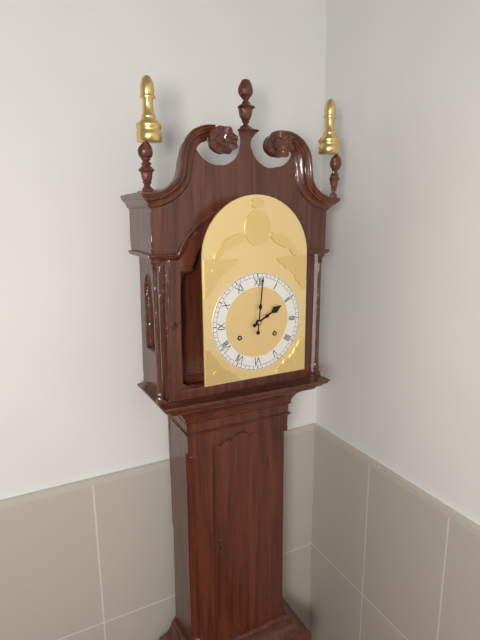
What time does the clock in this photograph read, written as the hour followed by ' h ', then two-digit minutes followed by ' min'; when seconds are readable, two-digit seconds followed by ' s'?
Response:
2 h 01 min
